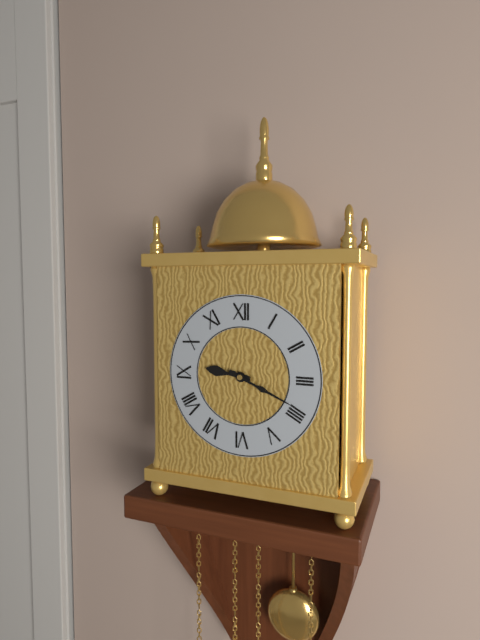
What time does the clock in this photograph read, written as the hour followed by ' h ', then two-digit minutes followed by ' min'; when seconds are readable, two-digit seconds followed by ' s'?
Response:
9 h 19 min
